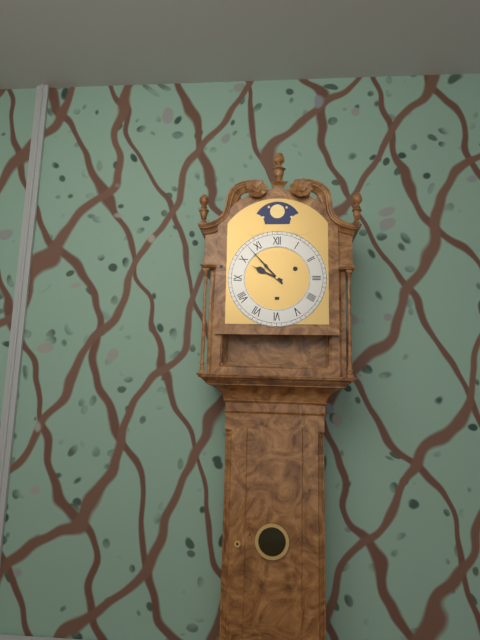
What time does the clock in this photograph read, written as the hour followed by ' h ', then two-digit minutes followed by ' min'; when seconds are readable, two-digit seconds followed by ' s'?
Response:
9 h 53 min
